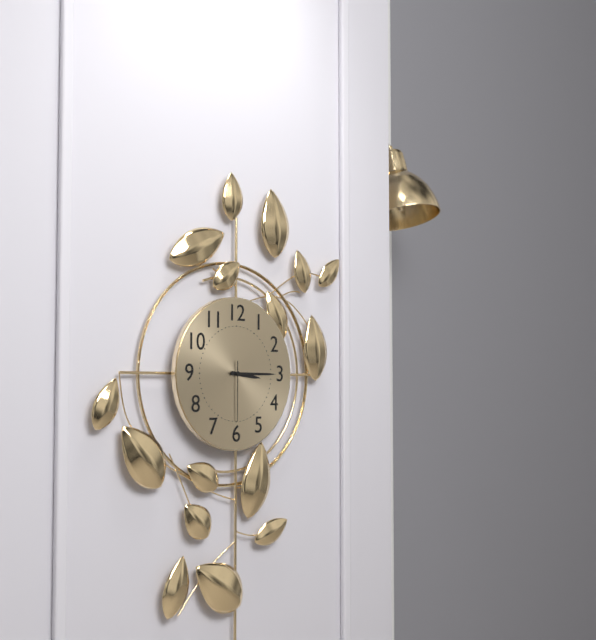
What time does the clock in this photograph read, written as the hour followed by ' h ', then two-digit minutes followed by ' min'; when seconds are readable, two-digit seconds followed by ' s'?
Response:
3 h 15 min 30 s
